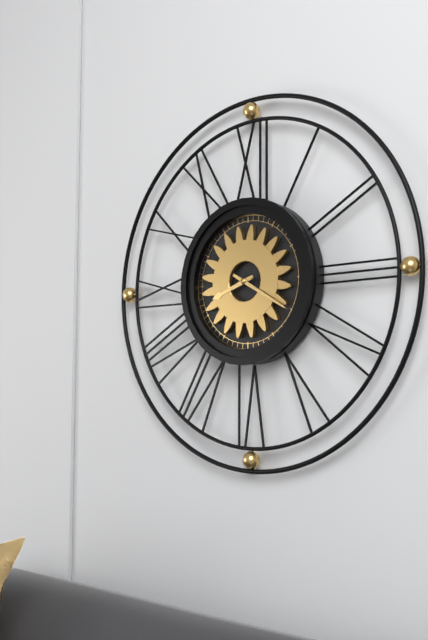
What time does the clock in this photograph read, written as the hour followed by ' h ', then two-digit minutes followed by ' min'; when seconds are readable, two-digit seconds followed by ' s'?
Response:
8 h 20 min
